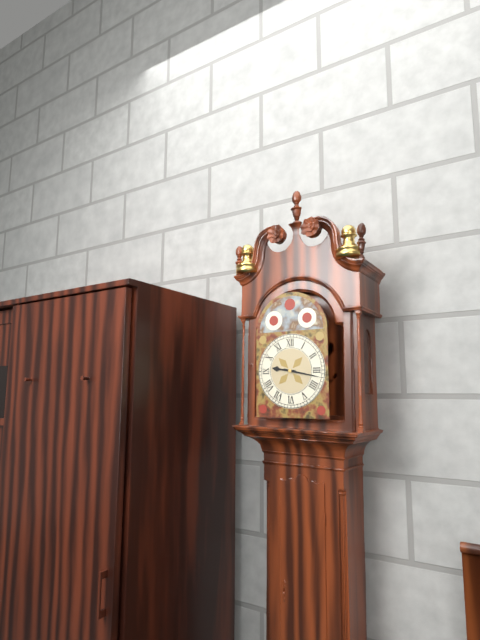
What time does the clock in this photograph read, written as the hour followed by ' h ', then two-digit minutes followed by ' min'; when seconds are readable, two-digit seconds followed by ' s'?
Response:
9 h 17 min
